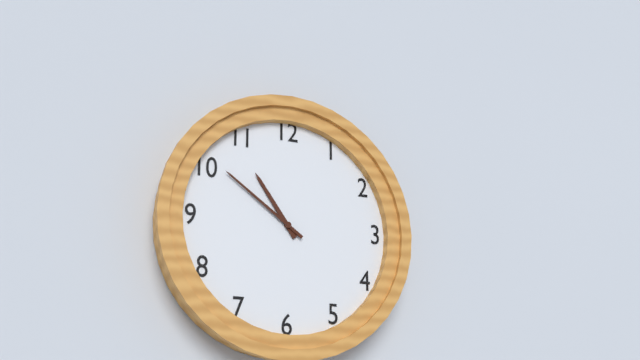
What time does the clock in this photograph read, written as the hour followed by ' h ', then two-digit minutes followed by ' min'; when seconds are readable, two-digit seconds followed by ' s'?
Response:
10 h 51 min
